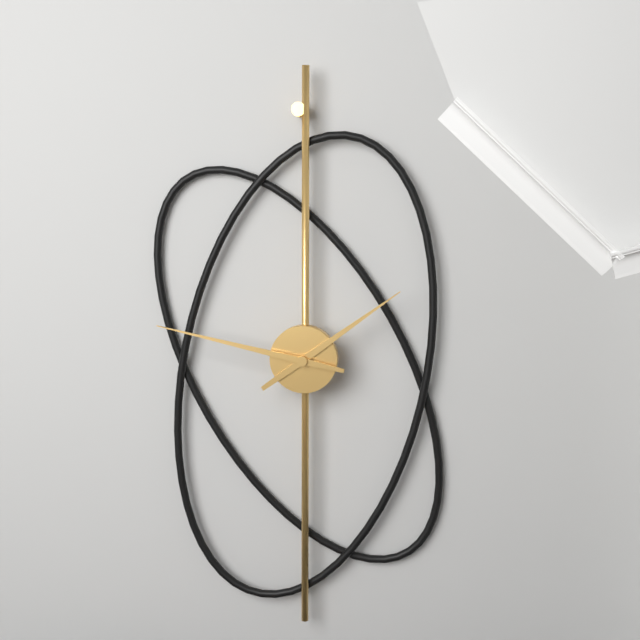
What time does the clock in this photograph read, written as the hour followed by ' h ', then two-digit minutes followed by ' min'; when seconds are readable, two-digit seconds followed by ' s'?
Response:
1 h 47 min
